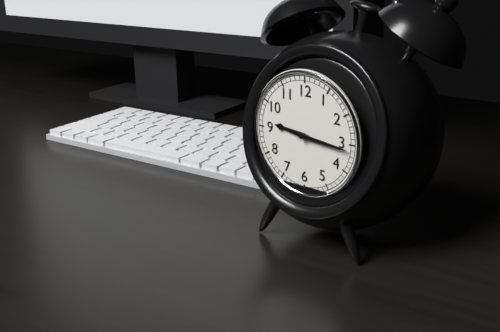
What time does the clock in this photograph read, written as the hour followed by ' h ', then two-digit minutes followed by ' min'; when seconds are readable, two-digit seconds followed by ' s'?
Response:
9 h 16 min
